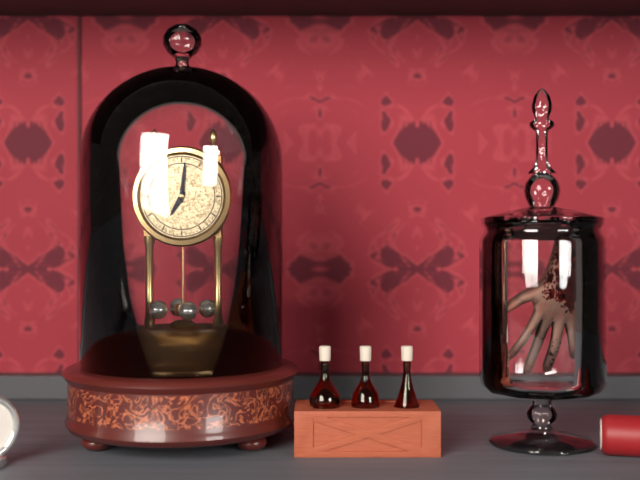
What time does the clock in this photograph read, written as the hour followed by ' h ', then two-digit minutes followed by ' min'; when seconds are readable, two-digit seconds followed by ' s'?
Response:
7 h 01 min
